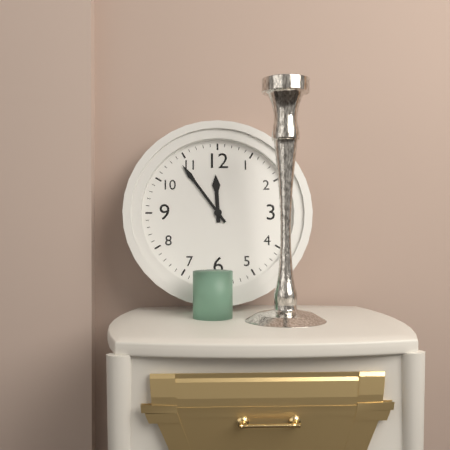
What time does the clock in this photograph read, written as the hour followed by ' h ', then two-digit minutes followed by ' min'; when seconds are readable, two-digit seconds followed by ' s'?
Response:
11 h 54 min
